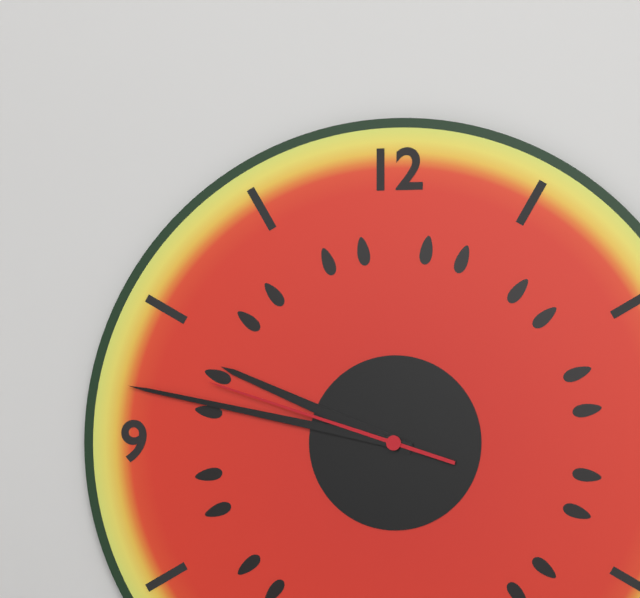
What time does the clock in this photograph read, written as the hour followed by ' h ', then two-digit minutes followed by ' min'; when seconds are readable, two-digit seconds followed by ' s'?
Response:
9 h 47 min 48 s
